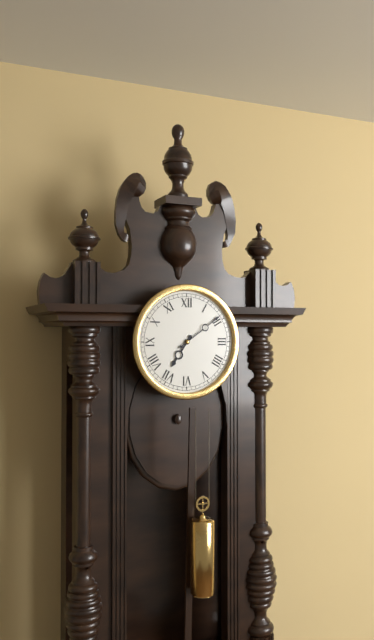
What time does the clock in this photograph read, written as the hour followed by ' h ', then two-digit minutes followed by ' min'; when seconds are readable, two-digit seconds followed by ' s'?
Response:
7 h 09 min
